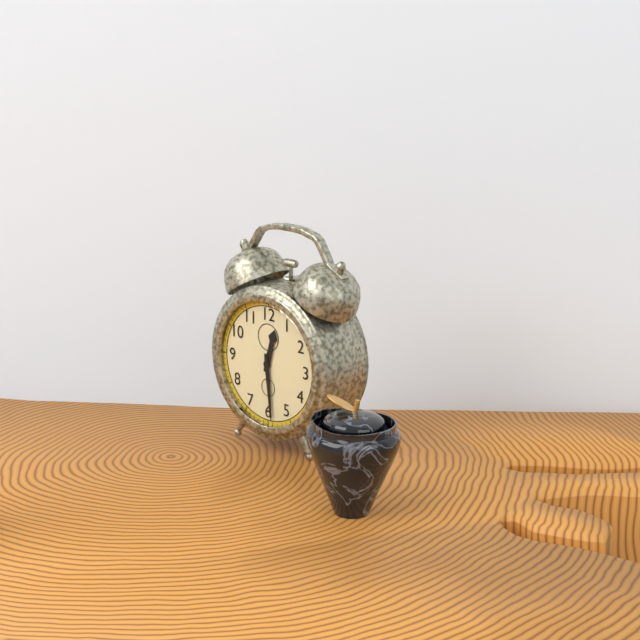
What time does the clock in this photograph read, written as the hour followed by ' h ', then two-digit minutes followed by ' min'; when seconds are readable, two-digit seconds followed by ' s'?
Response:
12 h 29 min
